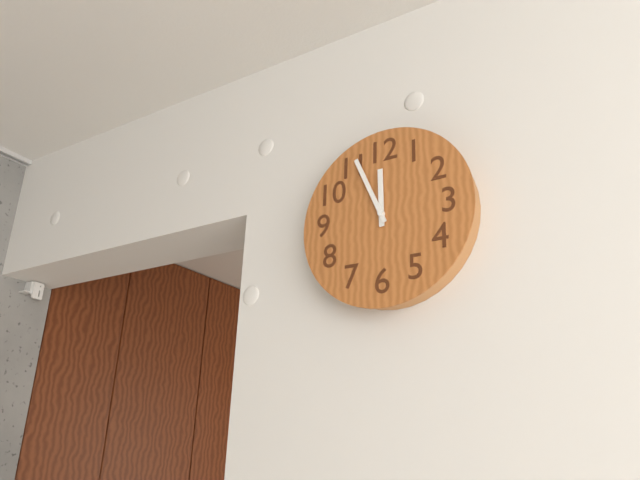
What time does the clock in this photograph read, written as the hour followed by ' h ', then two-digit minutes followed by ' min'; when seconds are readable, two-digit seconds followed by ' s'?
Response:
11 h 56 min
